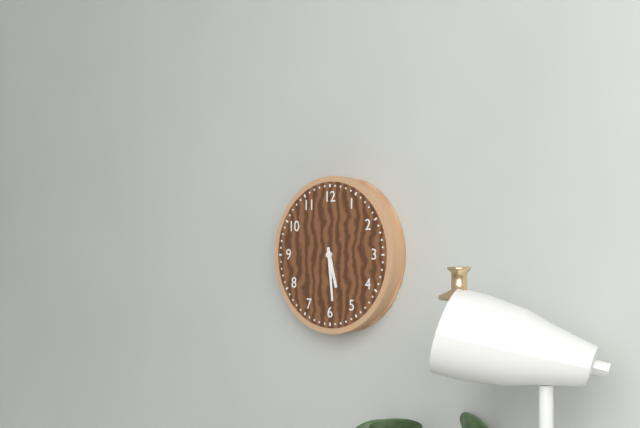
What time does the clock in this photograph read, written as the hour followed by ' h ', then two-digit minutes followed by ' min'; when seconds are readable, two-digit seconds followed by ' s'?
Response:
5 h 29 min
